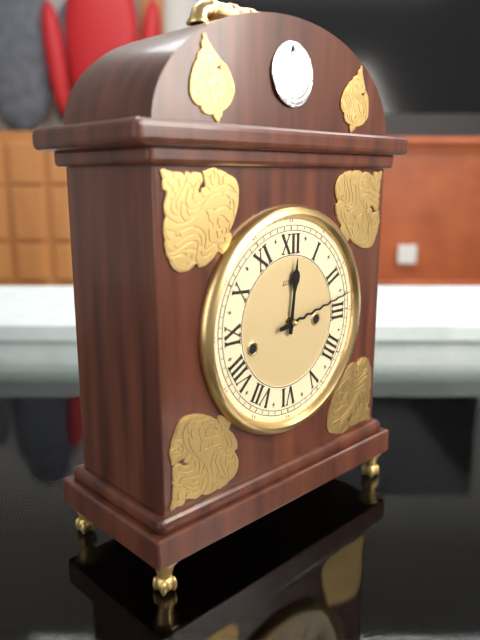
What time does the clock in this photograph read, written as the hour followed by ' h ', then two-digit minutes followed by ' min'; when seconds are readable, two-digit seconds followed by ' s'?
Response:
12 h 13 min
